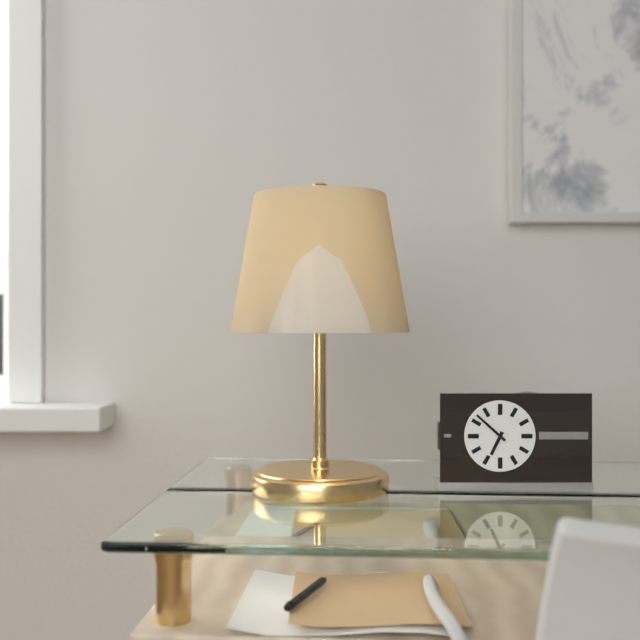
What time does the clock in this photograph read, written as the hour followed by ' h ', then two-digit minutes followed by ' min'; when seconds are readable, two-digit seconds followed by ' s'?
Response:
6 h 52 min
